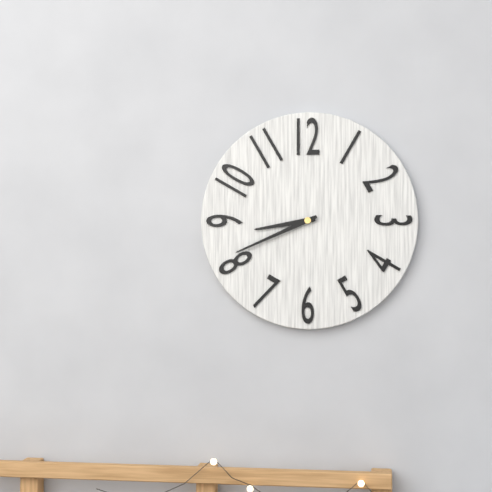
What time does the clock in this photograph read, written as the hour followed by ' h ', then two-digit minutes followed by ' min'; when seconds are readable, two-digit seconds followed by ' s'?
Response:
8 h 41 min
